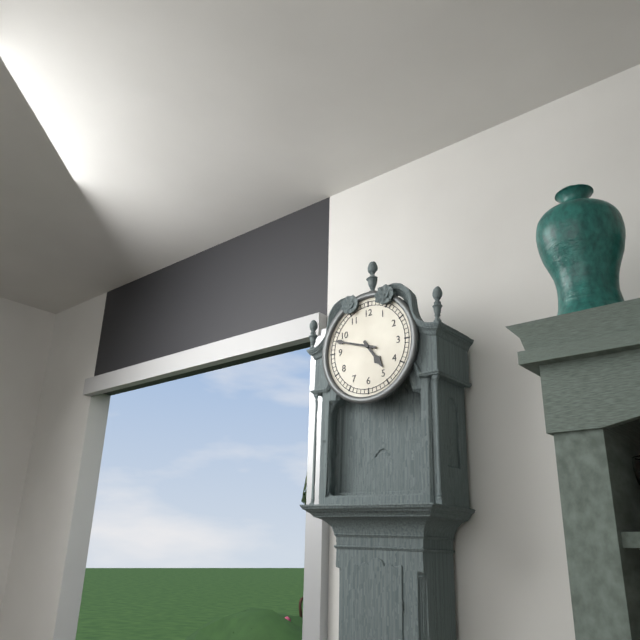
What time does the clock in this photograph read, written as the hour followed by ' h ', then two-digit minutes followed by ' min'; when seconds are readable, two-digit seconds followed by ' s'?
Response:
4 h 48 min
